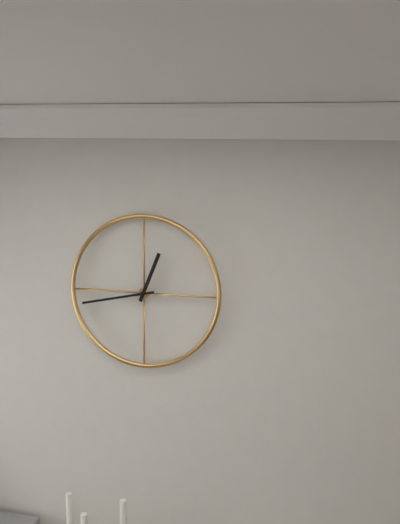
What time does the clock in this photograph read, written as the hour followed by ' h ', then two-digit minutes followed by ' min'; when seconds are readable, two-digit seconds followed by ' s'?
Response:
12 h 43 min
